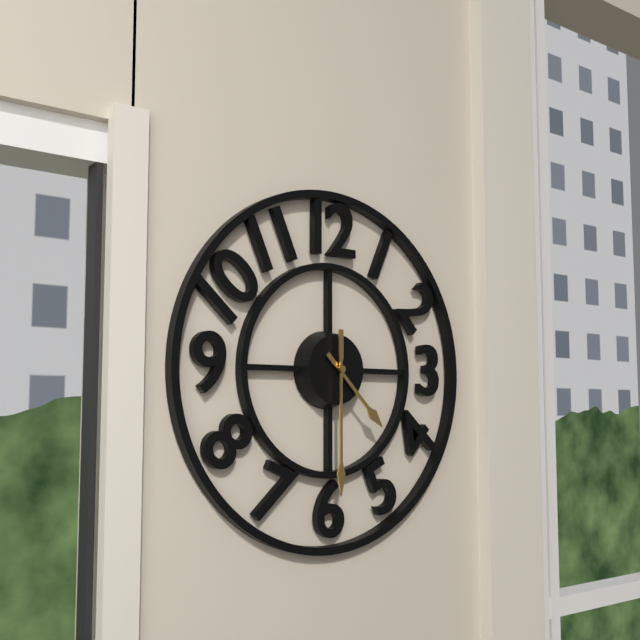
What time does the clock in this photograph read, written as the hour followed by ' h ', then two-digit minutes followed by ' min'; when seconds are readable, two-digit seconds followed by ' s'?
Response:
4 h 30 min
